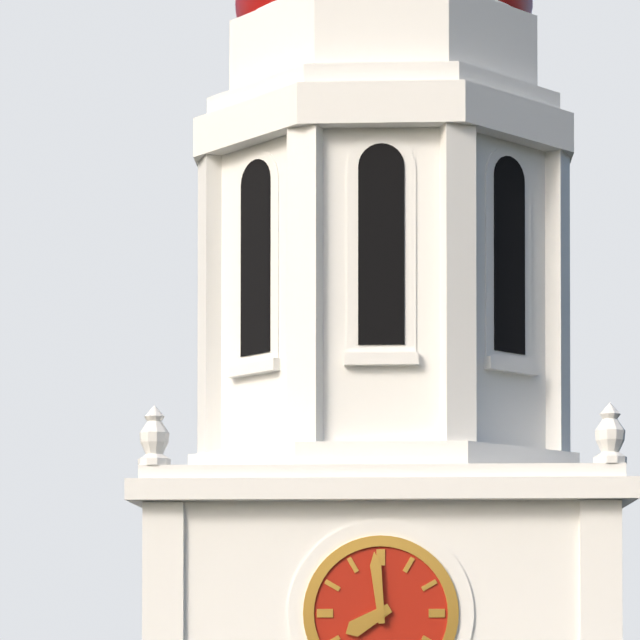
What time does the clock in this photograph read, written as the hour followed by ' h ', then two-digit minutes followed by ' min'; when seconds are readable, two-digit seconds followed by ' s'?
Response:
7 h 59 min
